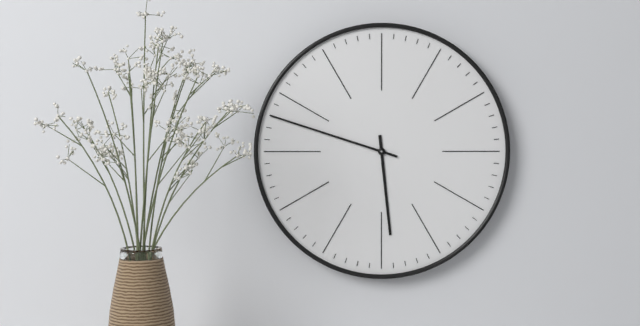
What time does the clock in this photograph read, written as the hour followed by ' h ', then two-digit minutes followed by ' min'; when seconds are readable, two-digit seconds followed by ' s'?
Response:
5 h 48 min
